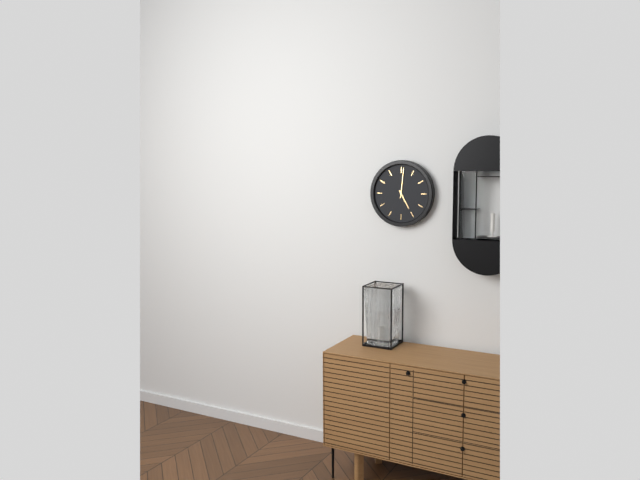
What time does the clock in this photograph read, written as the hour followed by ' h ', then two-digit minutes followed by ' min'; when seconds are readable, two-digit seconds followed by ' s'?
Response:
5 h 01 min
